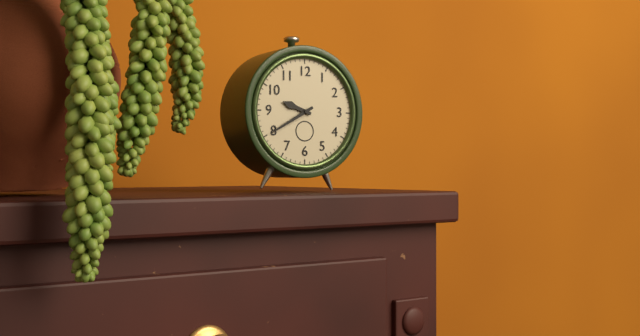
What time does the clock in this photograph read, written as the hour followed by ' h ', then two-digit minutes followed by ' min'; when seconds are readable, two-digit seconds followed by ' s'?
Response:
9 h 40 min
